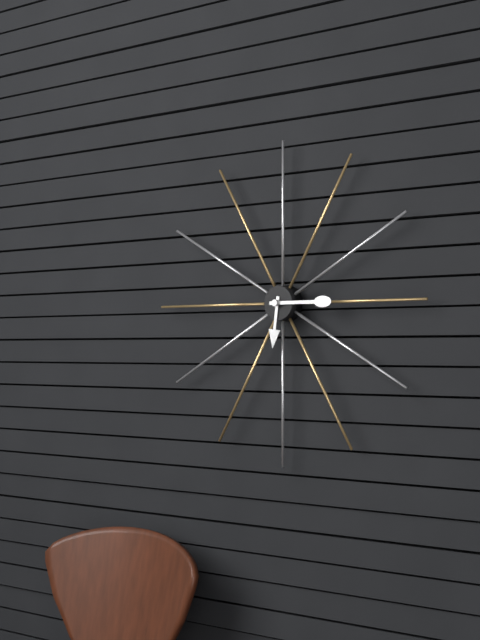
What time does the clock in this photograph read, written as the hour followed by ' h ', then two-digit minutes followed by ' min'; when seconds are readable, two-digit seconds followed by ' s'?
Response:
6 h 15 min
